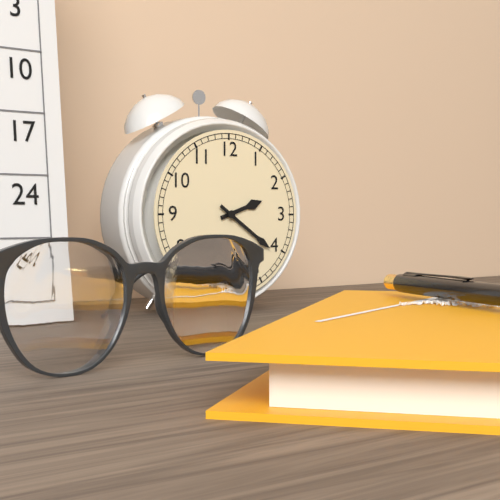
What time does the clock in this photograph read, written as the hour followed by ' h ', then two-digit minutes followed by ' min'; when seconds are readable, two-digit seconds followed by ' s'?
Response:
2 h 21 min
